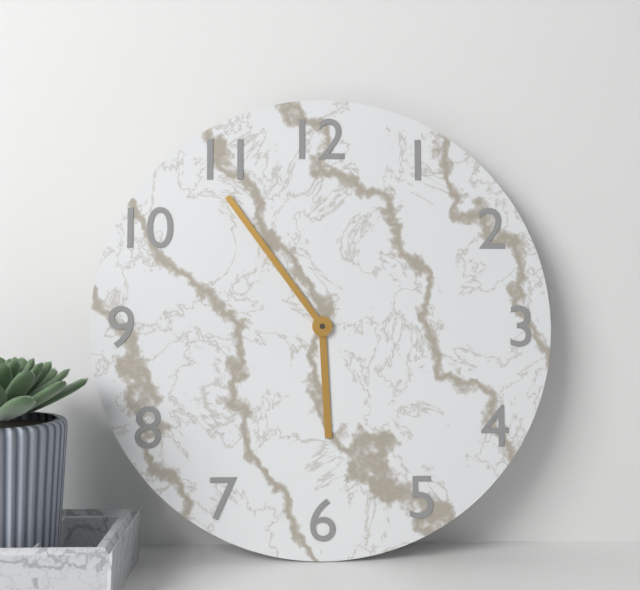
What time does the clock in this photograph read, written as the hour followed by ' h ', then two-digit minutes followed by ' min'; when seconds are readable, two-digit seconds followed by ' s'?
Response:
5 h 54 min
